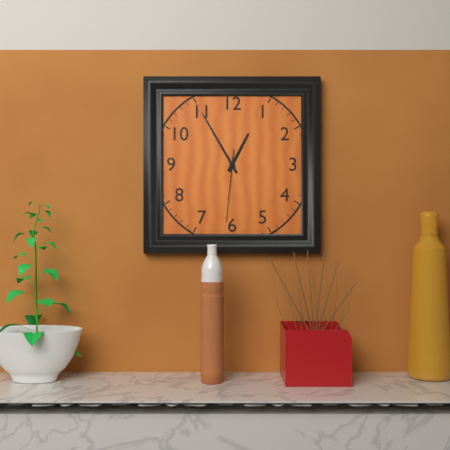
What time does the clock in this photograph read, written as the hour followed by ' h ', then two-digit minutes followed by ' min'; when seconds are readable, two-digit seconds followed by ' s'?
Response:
12 h 55 min 31 s
